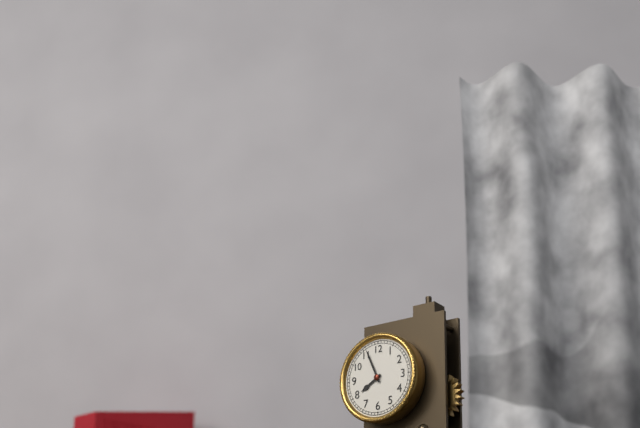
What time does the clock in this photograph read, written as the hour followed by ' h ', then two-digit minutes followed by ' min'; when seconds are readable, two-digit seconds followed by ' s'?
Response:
7 h 56 min
